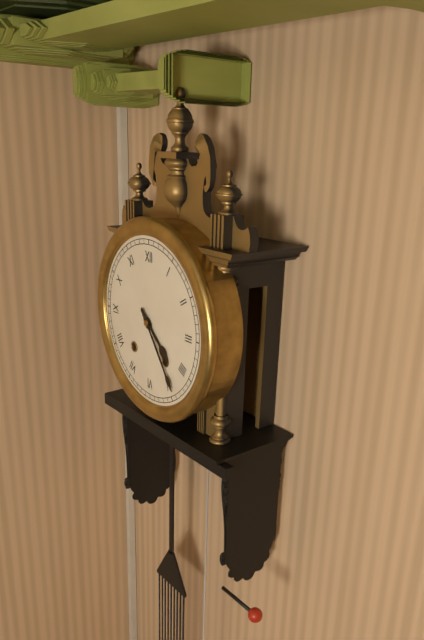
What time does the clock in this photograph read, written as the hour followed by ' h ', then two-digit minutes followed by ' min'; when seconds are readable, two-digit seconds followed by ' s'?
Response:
4 h 24 min
